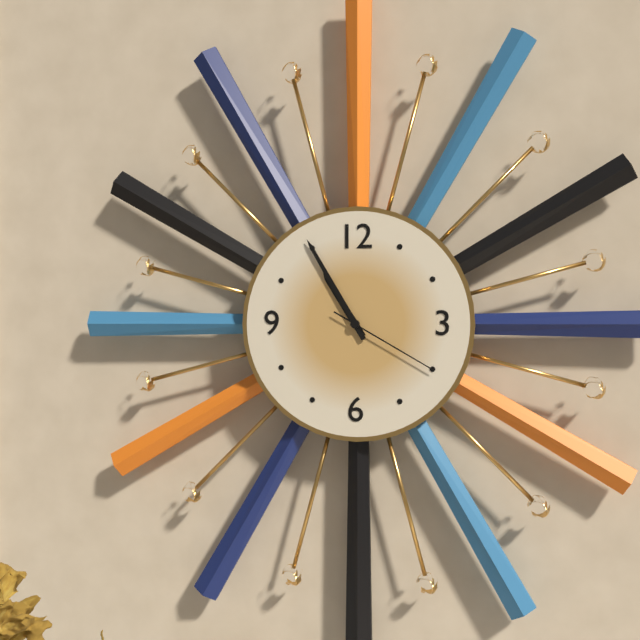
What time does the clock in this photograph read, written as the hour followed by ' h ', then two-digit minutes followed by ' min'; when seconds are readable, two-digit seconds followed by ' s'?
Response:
10 h 55 min 20 s
